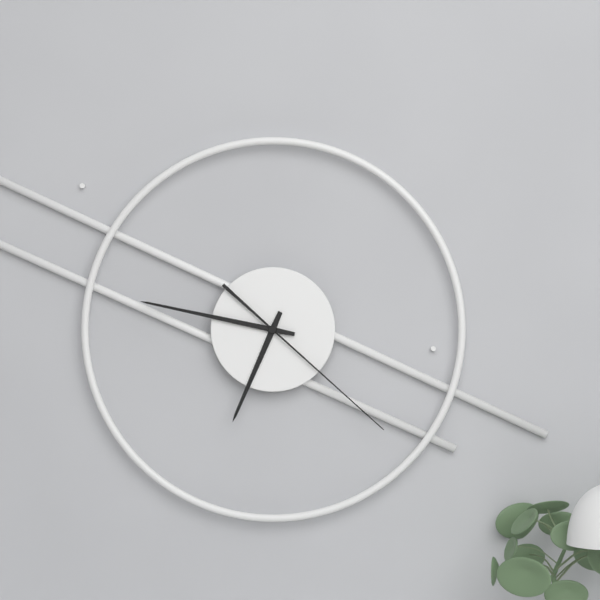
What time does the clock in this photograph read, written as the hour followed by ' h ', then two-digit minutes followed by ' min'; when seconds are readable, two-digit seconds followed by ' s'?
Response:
6 h 47 min 22 s
